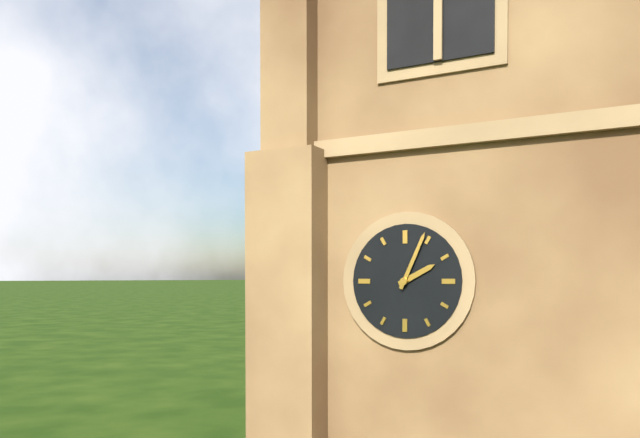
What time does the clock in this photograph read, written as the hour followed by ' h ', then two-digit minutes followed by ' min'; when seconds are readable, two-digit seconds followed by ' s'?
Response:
2 h 04 min
